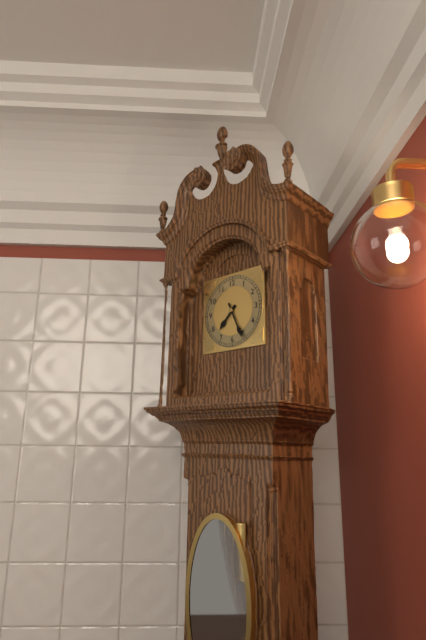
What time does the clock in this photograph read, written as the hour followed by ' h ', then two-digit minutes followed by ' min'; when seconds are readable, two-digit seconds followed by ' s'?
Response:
7 h 26 min
